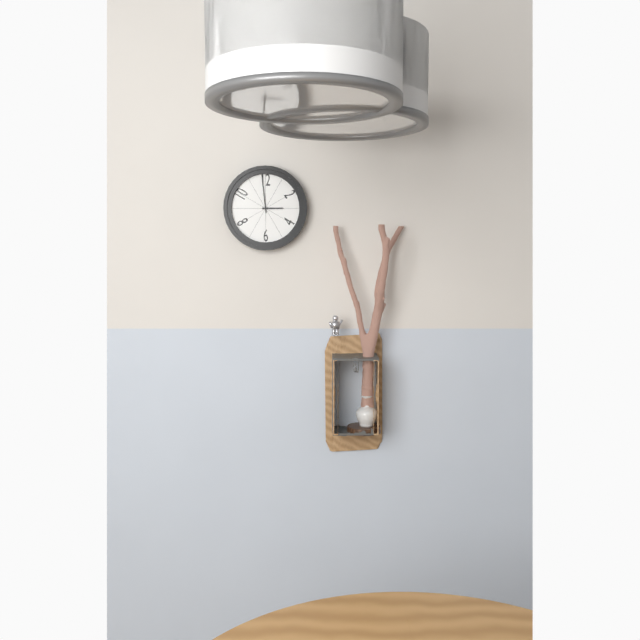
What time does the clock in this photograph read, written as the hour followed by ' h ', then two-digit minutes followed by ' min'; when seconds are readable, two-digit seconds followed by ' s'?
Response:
2 h 59 min
